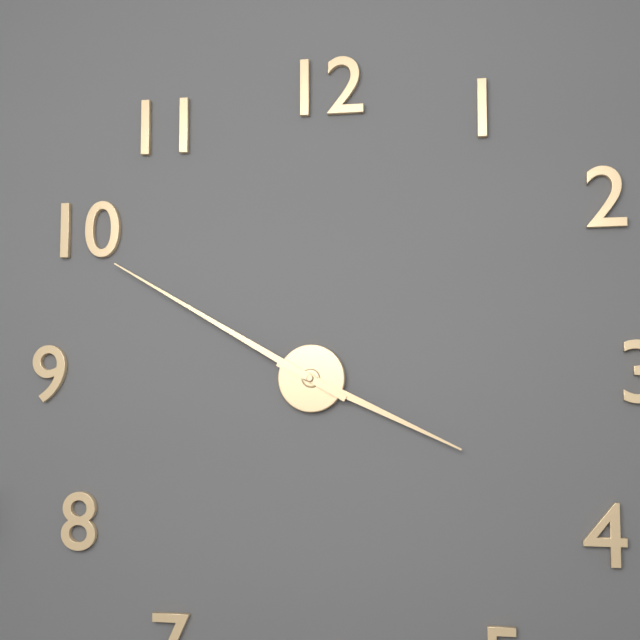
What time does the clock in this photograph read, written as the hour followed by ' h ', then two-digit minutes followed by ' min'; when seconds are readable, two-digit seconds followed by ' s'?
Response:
3 h 50 min
